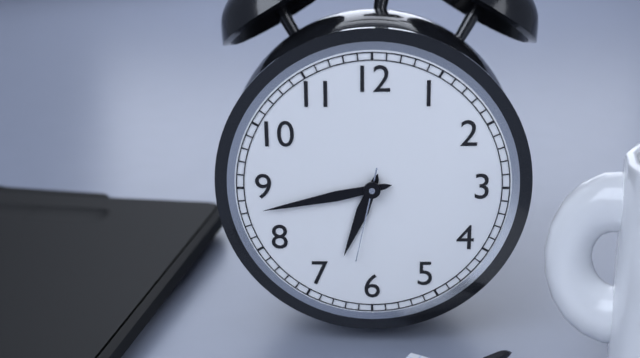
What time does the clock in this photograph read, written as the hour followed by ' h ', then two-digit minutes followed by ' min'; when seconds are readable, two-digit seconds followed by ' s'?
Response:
6 h 43 min 32 s
